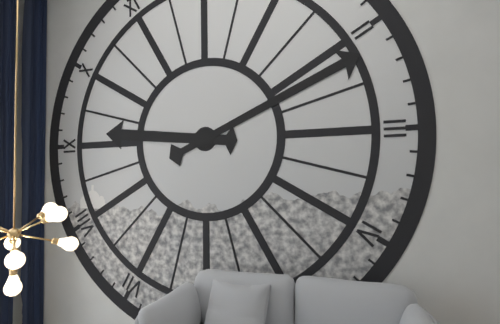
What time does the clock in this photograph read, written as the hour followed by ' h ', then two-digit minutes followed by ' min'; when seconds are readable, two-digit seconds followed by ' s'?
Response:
9 h 11 min
